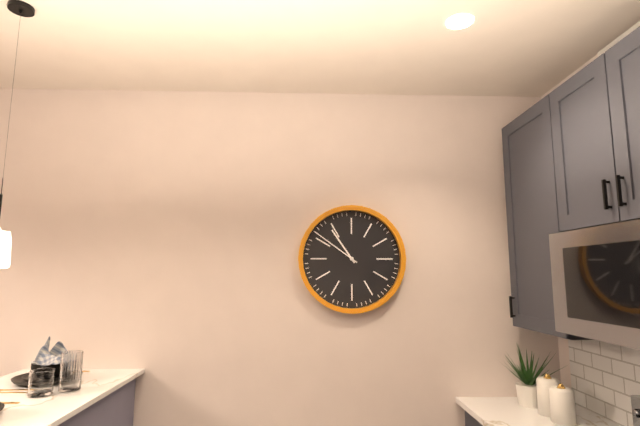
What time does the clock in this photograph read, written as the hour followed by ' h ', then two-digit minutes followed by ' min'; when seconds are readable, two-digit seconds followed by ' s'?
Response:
10 h 51 min
